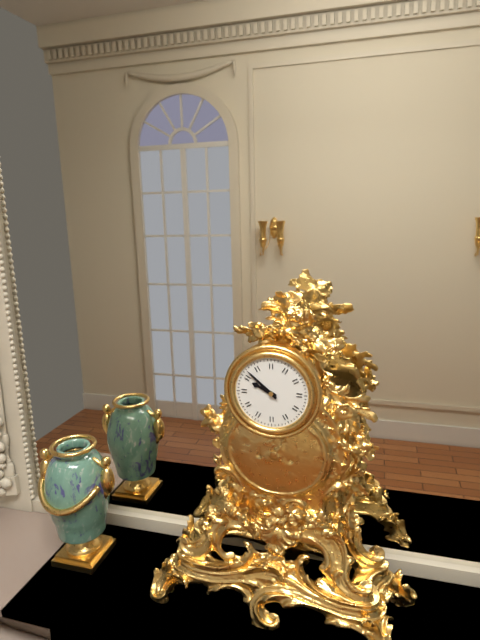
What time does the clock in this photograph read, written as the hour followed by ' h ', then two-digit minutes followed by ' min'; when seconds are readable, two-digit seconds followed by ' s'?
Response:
9 h 52 min
